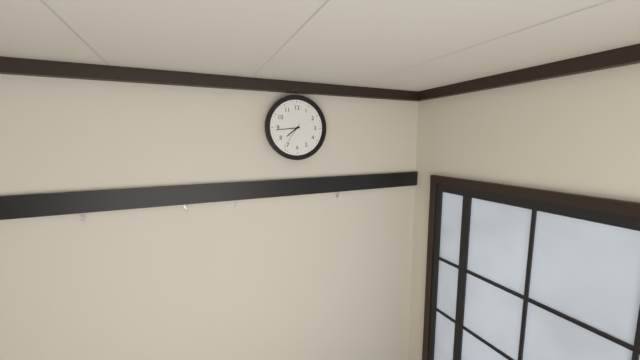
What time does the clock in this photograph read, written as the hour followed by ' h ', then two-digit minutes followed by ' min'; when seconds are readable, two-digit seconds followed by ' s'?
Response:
7 h 44 min
